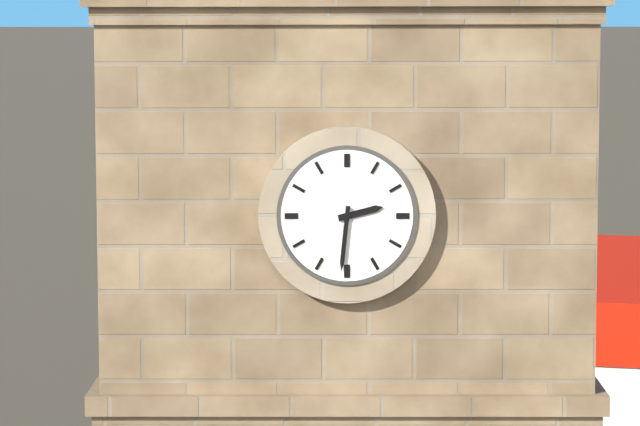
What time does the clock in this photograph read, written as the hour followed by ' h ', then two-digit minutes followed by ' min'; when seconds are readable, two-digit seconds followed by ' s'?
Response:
2 h 31 min
